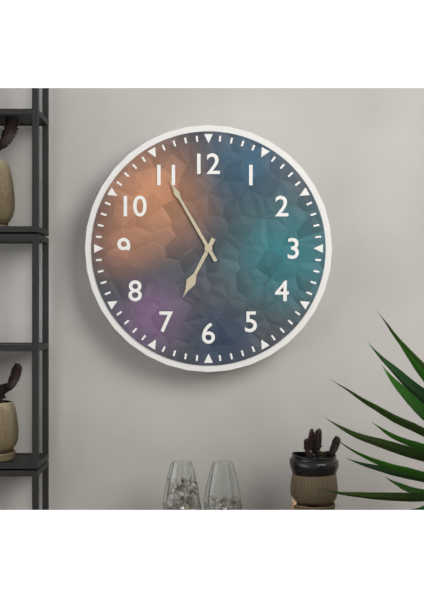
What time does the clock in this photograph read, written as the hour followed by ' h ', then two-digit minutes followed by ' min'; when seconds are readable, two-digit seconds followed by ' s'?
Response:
6 h 55 min
